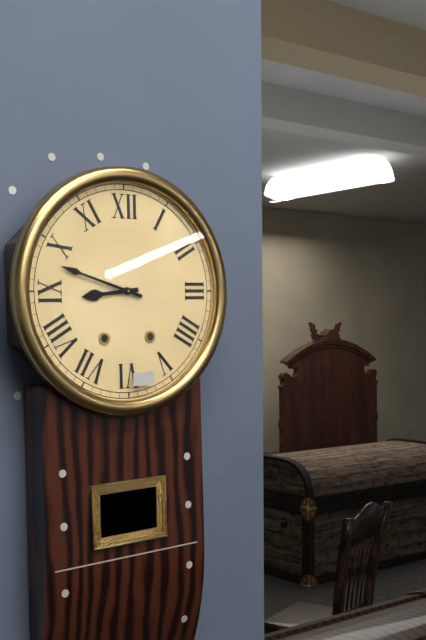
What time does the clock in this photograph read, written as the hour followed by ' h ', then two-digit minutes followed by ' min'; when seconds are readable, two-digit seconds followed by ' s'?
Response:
8 h 48 min
